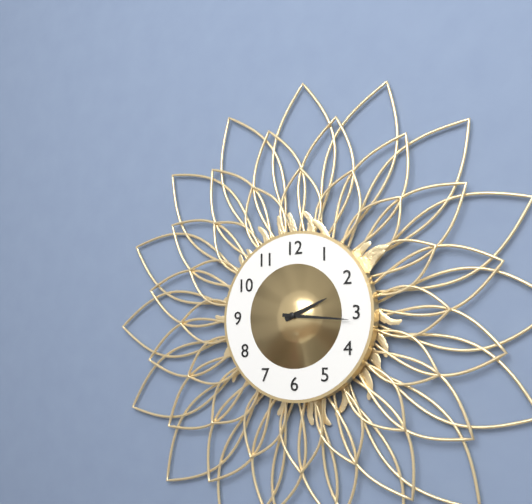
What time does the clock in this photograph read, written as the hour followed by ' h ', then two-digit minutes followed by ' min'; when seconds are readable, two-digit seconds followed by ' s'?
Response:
2 h 16 min
